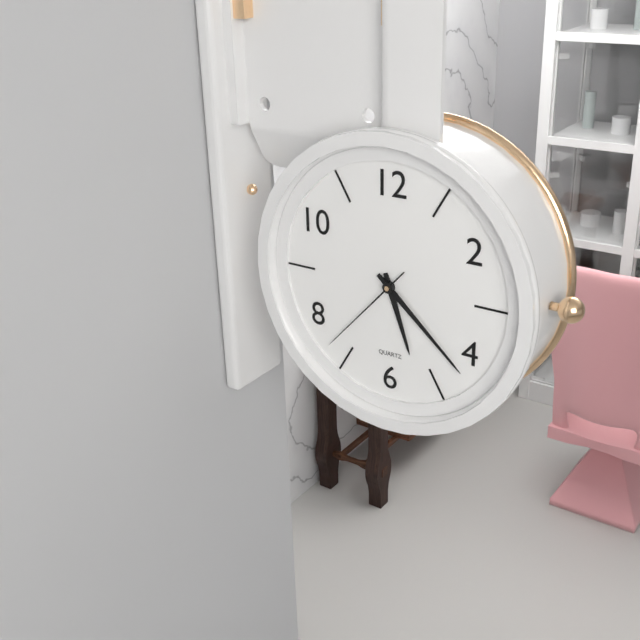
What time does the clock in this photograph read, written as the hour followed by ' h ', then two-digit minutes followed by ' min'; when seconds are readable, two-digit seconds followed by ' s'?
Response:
5 h 22 min 37 s
